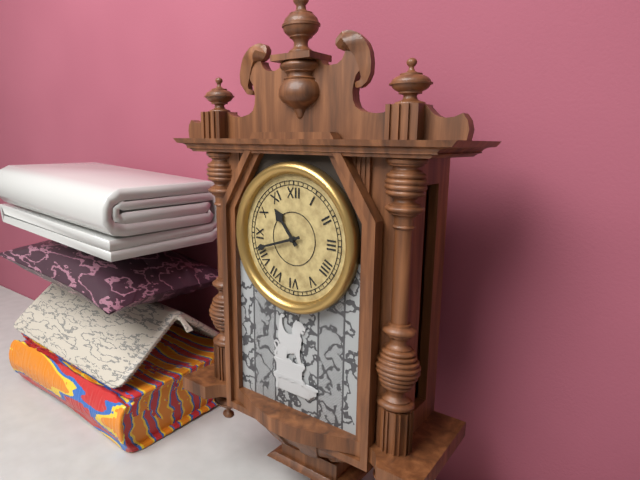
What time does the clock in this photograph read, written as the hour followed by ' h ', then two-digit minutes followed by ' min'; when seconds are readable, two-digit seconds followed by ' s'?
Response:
10 h 42 min
